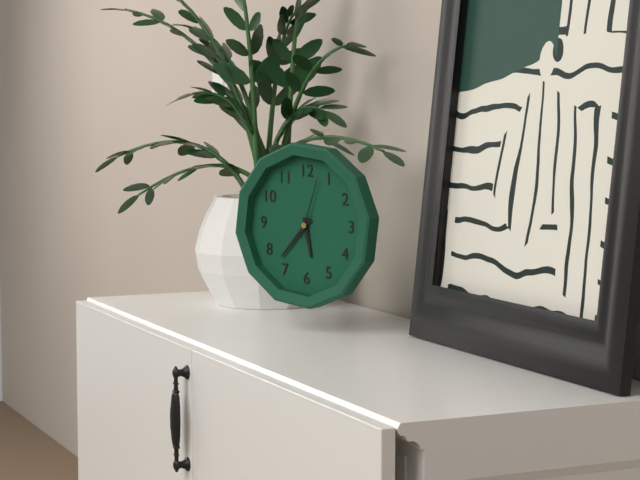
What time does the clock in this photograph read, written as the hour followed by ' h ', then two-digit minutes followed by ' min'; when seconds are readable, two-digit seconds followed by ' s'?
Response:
5 h 37 min 03 s
